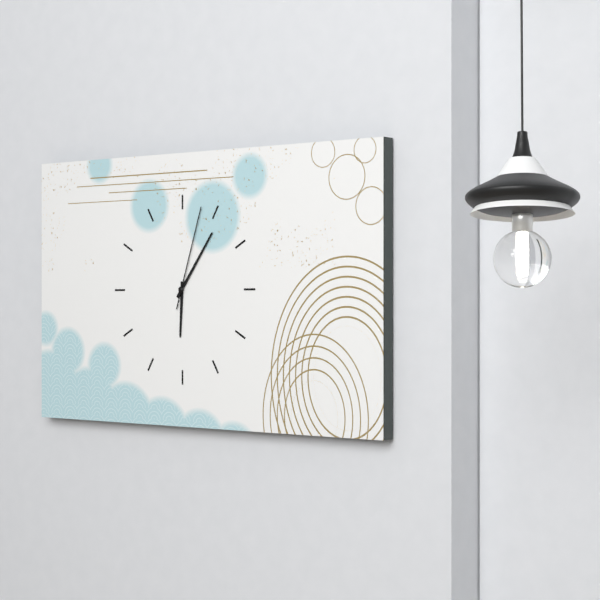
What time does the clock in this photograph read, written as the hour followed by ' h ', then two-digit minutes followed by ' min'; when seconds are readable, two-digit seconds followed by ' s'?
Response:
6 h 06 min 03 s
